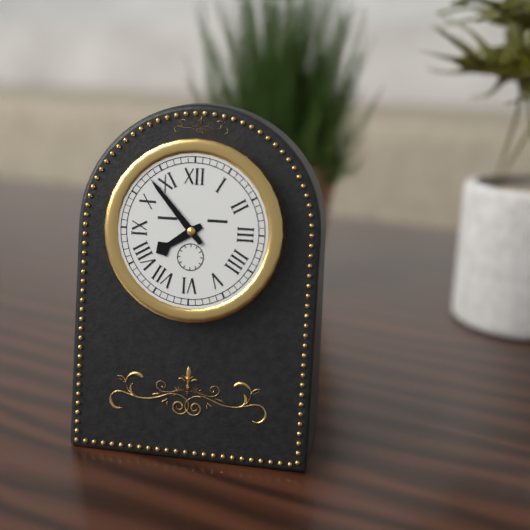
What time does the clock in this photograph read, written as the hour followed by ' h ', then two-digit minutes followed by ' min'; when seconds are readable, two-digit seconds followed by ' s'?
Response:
7 h 53 min
